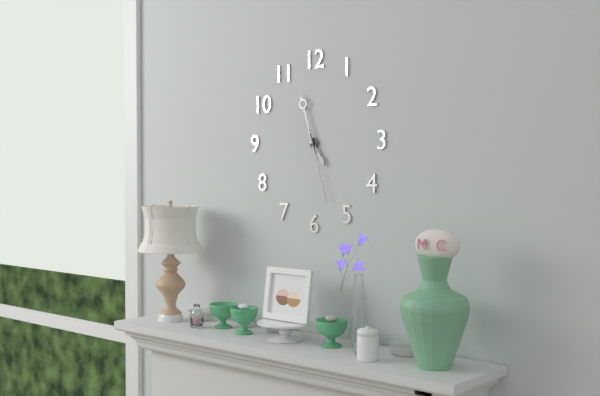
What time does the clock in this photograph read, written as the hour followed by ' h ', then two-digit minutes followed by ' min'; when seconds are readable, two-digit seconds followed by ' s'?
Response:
4 h 57 min 27 s
